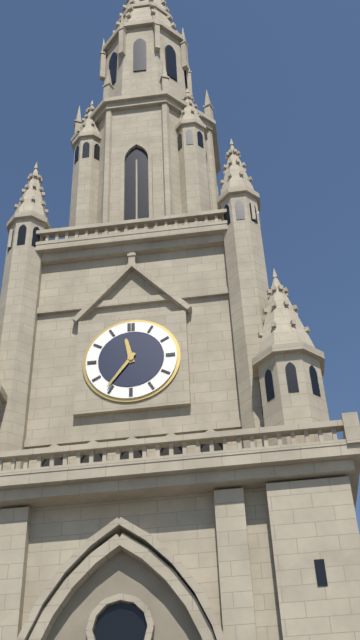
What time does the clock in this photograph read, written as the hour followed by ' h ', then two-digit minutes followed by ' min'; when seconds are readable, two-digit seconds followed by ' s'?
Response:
11 h 36 min
